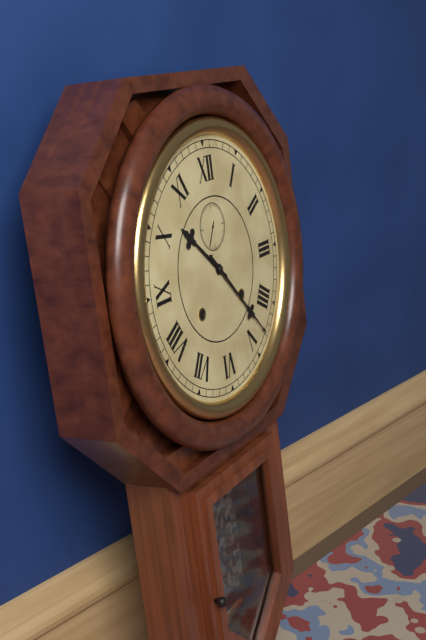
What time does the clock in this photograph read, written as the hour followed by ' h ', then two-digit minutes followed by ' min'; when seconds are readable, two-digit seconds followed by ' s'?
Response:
10 h 23 min
